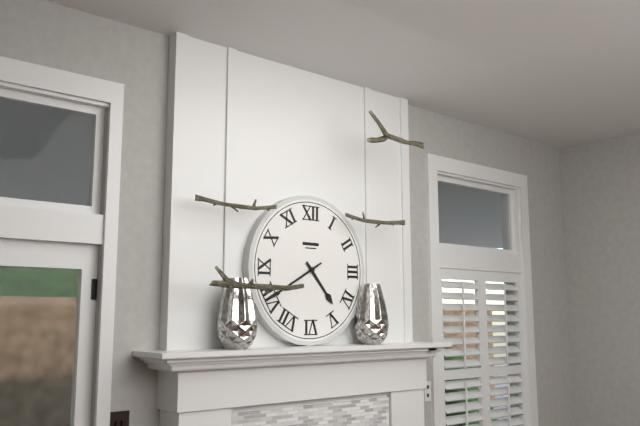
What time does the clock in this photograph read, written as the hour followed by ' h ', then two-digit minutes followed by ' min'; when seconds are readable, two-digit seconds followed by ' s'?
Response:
4 h 40 min
